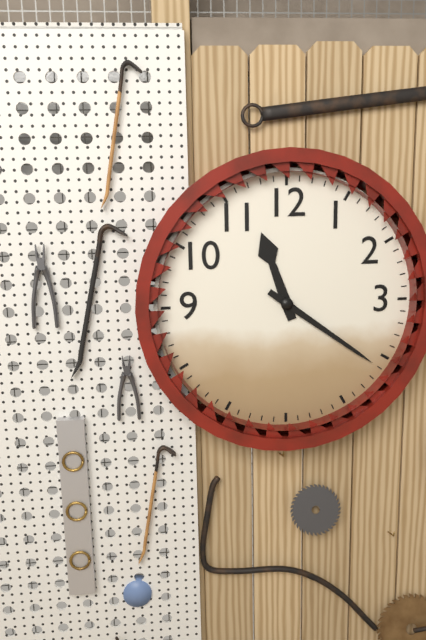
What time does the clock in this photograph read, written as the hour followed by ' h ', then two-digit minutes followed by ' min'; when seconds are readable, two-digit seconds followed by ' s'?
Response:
11 h 21 min
